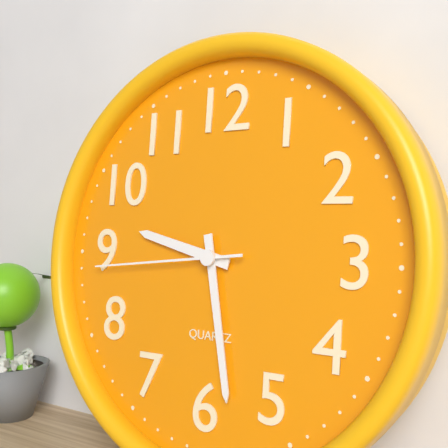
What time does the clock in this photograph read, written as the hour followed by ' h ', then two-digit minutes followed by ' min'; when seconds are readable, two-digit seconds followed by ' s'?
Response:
9 h 28 min 44 s
